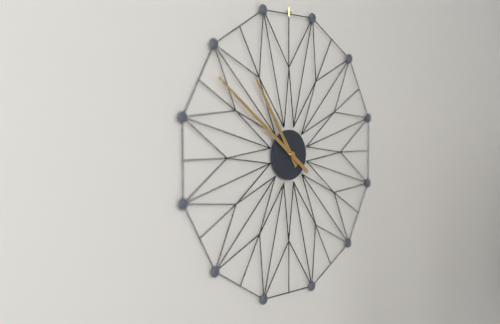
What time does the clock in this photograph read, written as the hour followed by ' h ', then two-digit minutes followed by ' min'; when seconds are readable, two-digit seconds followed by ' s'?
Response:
10 h 51 min
